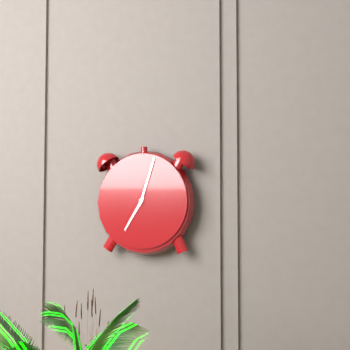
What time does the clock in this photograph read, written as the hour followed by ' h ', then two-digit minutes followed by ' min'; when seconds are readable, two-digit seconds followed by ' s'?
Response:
7 h 03 min
